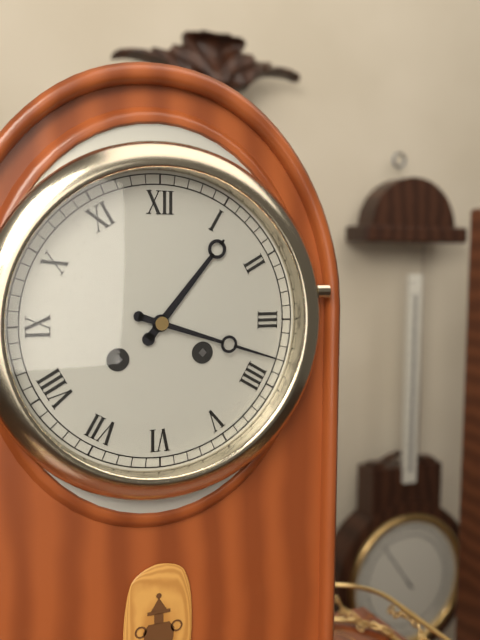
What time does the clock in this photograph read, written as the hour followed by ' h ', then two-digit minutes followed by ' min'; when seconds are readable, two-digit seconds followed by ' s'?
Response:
1 h 18 min
